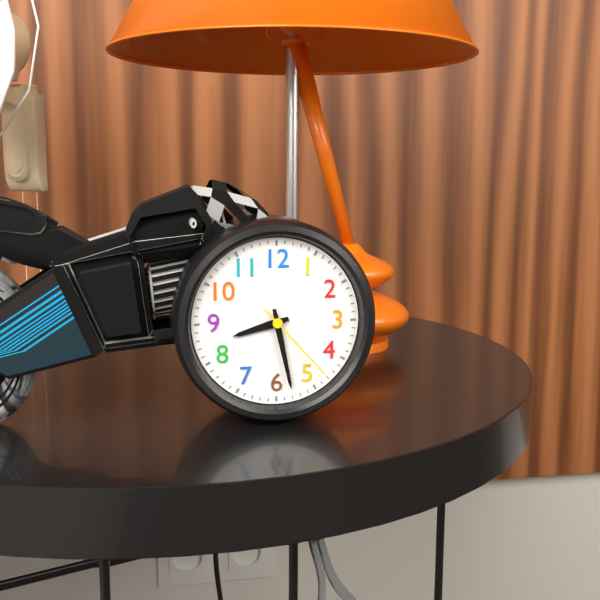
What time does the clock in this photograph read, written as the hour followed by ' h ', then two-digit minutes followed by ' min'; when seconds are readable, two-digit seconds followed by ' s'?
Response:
8 h 28 min 23 s
